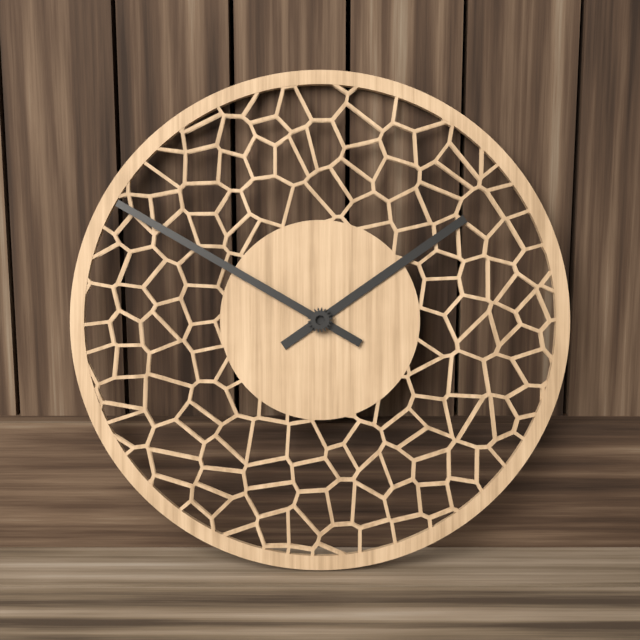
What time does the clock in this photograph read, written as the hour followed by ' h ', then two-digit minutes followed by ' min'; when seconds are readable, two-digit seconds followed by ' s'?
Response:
1 h 50 min
